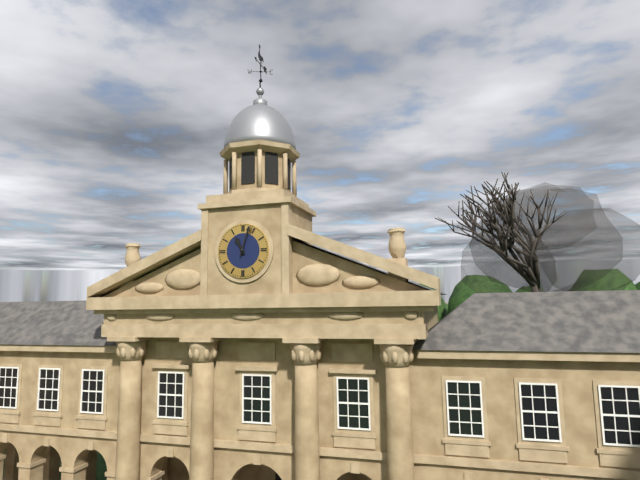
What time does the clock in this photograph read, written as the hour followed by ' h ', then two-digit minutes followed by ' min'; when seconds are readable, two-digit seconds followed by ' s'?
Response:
11 h 03 min
